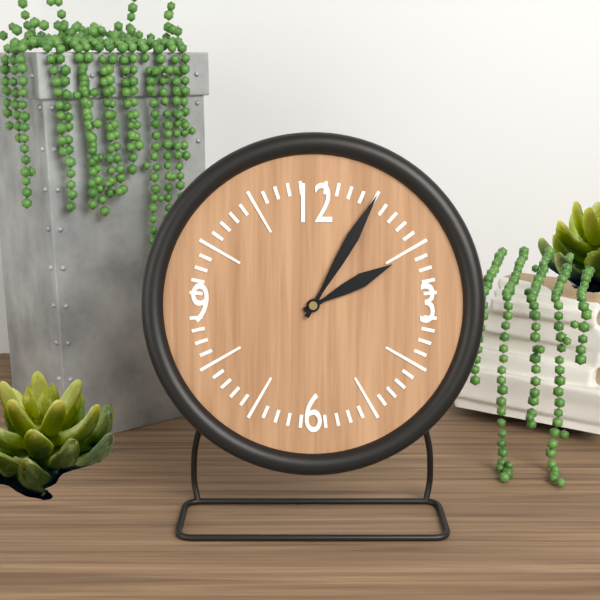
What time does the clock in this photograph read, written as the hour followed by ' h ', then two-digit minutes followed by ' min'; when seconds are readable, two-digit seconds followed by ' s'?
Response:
2 h 05 min
